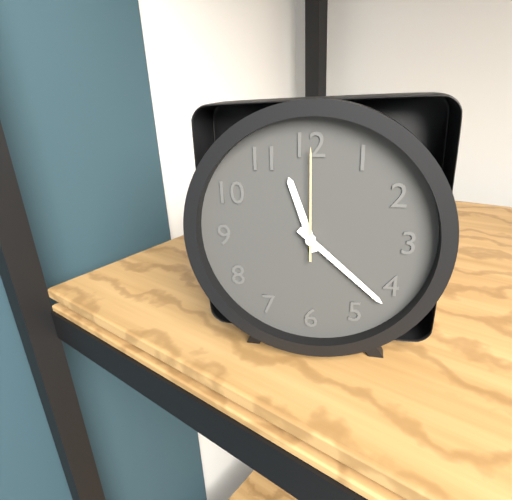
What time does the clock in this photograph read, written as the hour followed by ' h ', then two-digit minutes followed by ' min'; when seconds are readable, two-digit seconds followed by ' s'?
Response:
11 h 22 min 00 s
